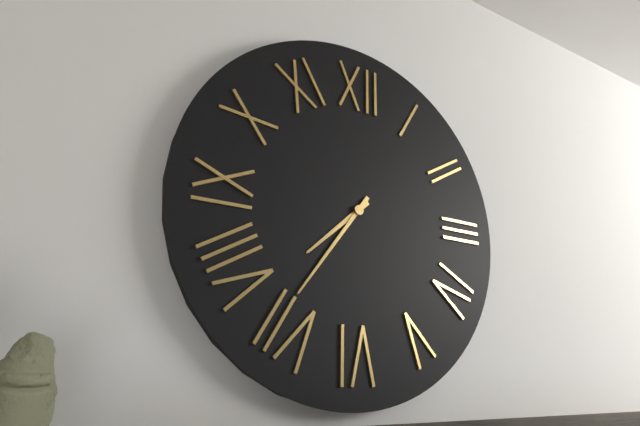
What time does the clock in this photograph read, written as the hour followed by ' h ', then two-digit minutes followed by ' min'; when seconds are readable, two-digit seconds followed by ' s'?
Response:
7 h 36 min
